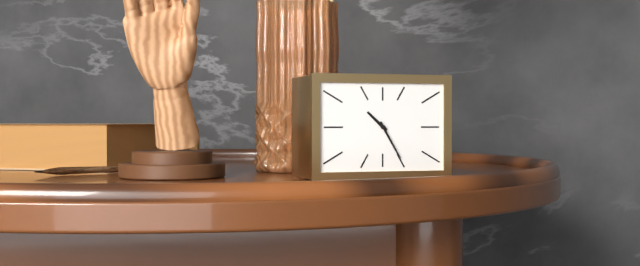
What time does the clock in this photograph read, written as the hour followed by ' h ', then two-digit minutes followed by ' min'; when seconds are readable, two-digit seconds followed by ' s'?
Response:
10 h 25 min
